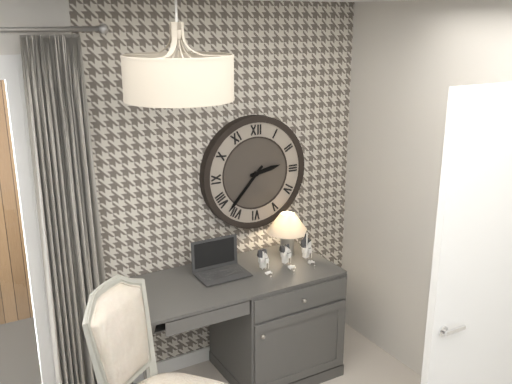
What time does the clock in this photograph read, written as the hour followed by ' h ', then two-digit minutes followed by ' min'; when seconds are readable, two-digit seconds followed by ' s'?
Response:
2 h 37 min
